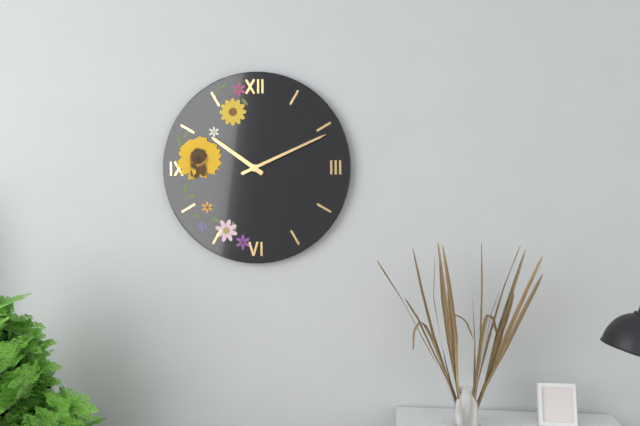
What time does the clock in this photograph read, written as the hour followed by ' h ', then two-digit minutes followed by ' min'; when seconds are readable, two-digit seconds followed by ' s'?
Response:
10 h 11 min
